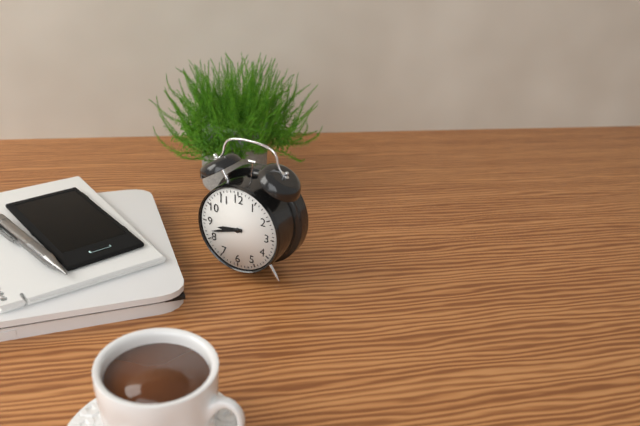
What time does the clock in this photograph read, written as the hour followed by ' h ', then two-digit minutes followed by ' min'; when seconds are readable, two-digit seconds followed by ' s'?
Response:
8 h 42 min
